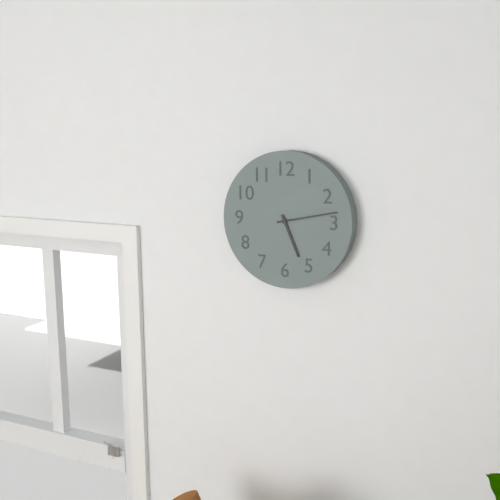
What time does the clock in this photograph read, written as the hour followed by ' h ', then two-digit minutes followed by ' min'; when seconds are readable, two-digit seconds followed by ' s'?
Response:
5 h 13 min
